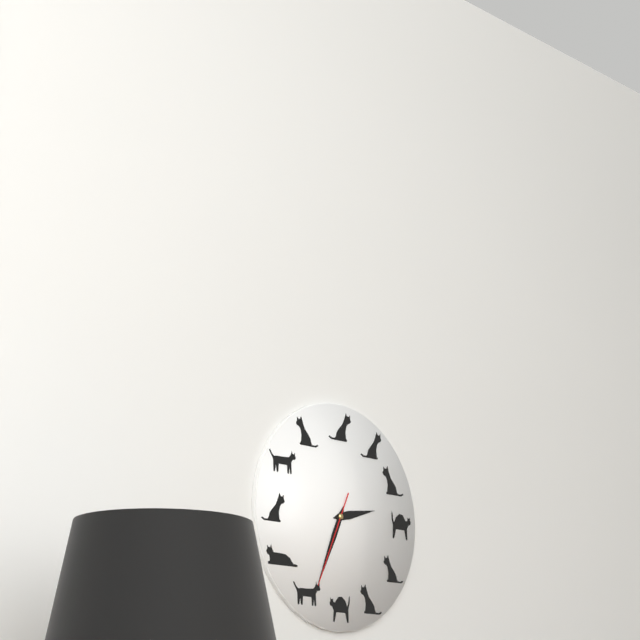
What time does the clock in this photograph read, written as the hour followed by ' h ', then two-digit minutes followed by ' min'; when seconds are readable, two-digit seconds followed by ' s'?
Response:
2 h 34 min 34 s
